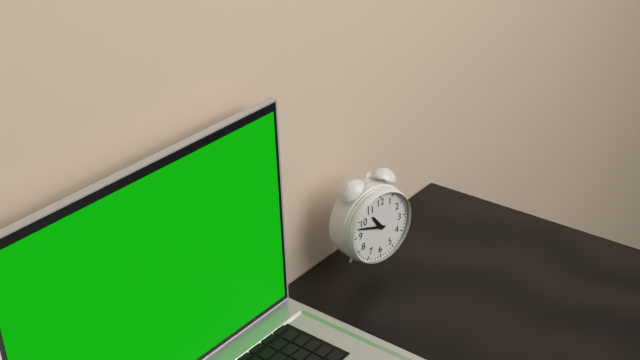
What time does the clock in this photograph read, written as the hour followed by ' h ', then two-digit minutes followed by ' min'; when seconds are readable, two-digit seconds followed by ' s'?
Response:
10 h 48 min
